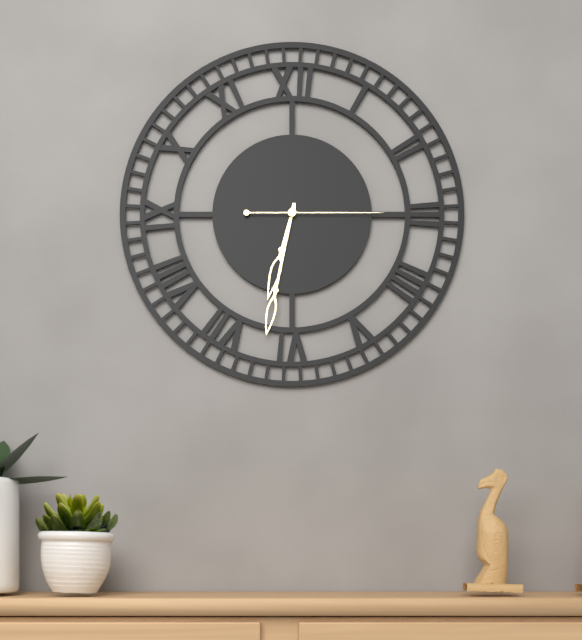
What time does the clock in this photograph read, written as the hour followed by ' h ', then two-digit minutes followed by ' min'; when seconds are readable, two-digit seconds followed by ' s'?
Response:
6 h 32 min 15 s
